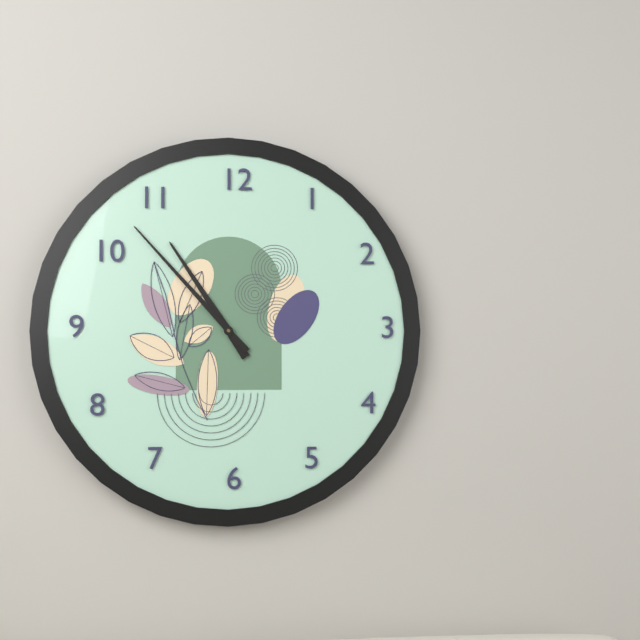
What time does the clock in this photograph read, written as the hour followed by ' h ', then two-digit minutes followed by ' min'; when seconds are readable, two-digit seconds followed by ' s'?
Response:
10 h 53 min
